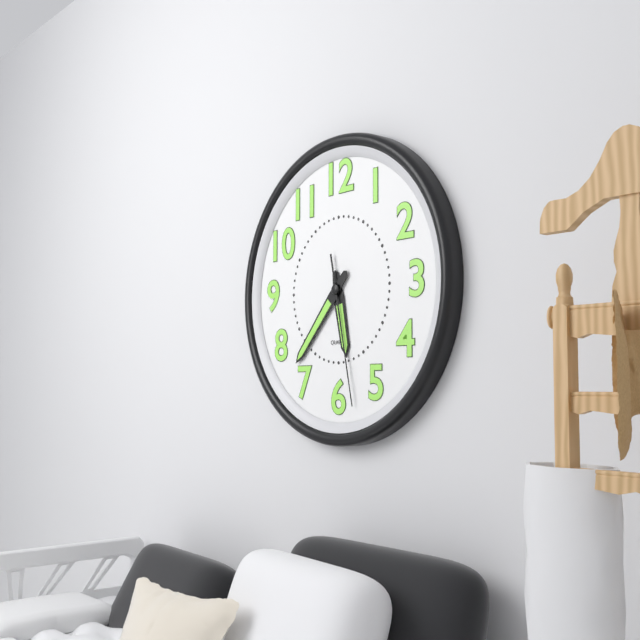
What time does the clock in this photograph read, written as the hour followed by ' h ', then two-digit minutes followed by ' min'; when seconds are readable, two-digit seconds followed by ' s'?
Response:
5 h 37 min 28 s
